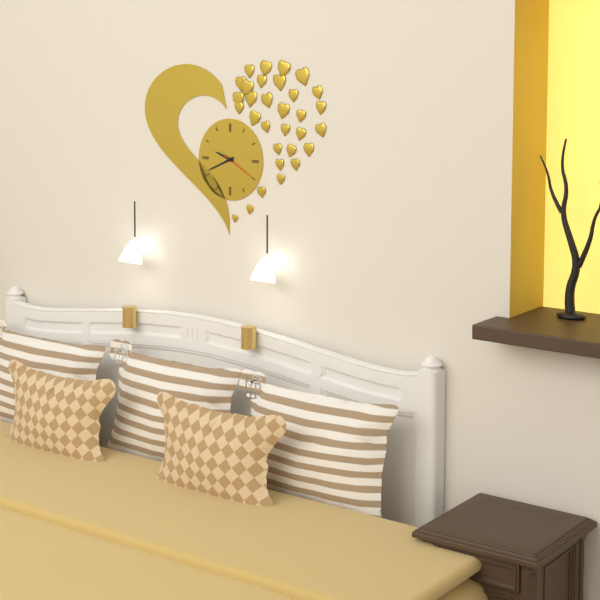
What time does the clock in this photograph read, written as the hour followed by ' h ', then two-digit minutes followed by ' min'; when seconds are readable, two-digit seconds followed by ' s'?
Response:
9 h 41 min
